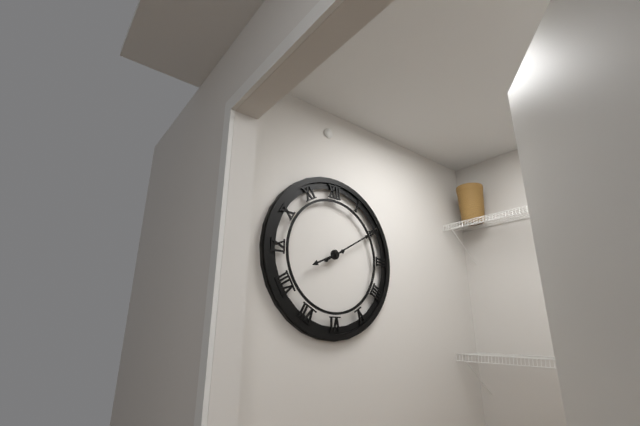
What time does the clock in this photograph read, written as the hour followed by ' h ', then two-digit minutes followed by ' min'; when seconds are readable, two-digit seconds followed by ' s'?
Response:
8 h 10 min
